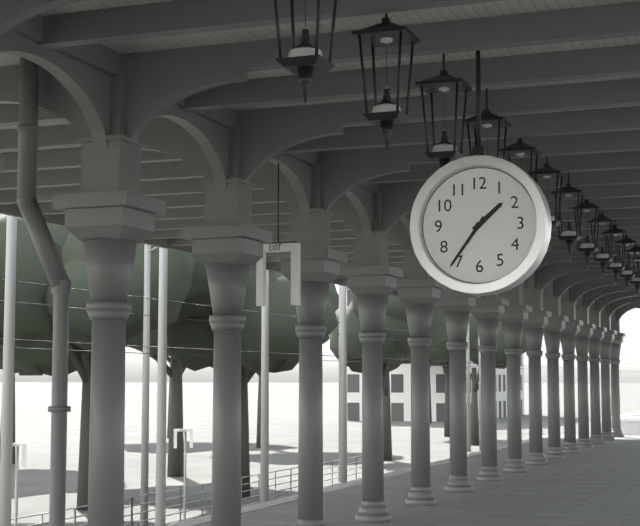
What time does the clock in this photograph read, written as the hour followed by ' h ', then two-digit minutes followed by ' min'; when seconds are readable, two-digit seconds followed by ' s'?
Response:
1 h 36 min
